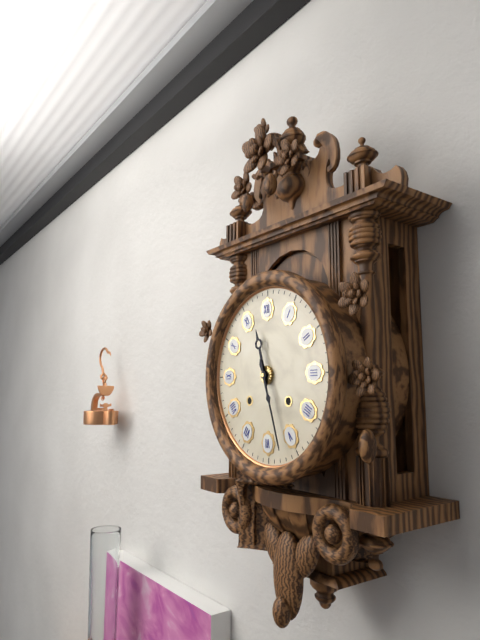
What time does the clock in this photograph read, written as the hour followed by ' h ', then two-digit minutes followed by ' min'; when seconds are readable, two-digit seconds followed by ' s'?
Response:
11 h 27 min
